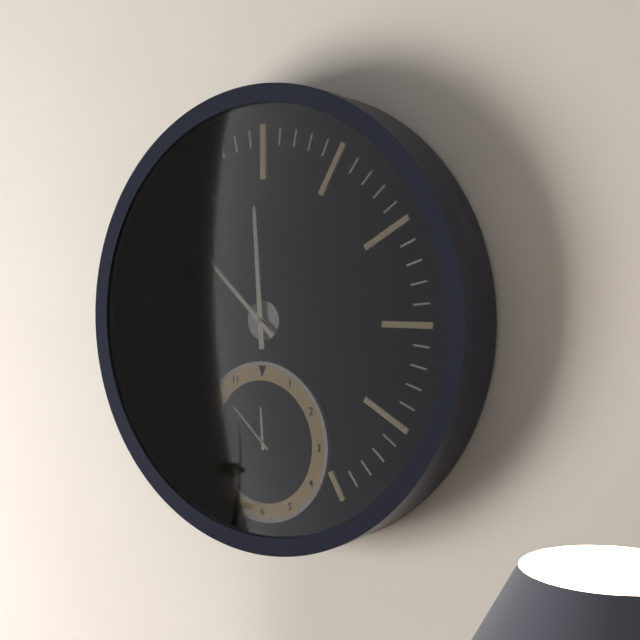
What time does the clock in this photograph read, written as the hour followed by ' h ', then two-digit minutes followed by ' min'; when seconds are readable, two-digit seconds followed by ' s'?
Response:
11 h 52 min
